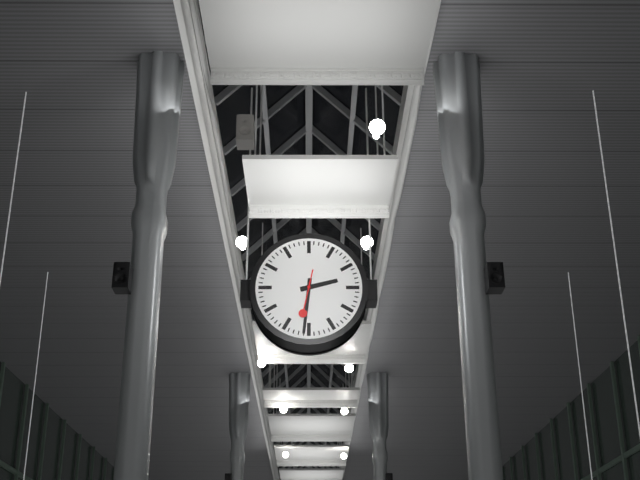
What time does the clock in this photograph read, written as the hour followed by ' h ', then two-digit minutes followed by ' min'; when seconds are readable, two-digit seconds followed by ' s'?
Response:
2 h 31 min
